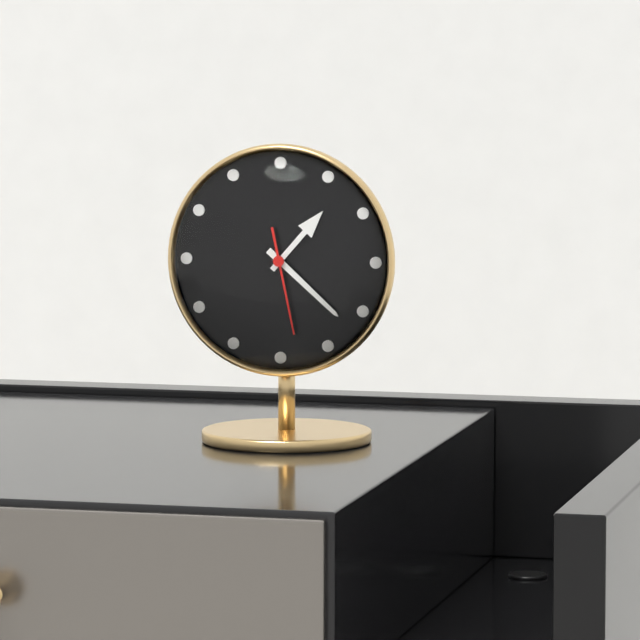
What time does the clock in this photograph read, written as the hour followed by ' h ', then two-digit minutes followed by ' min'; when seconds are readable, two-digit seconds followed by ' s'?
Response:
1 h 22 min 28 s
